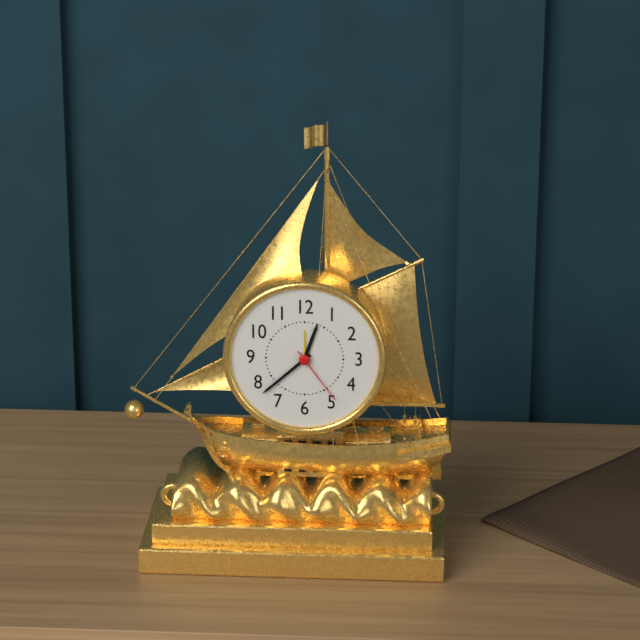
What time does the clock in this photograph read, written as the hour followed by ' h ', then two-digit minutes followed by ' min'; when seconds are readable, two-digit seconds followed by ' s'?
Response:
12 h 38 min 24 s
